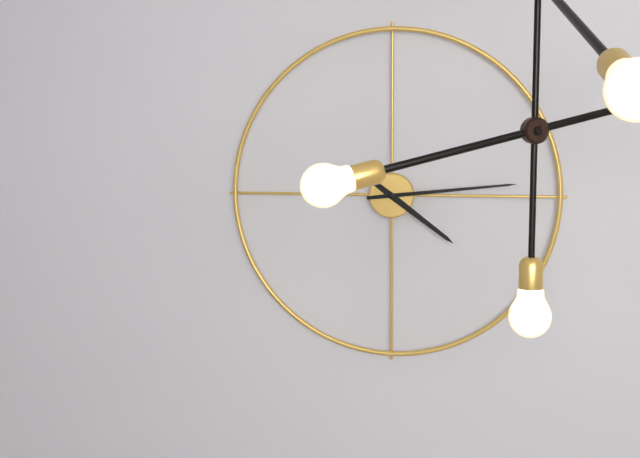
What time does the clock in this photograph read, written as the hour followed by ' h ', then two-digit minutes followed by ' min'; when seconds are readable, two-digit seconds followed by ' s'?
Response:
4 h 14 min
